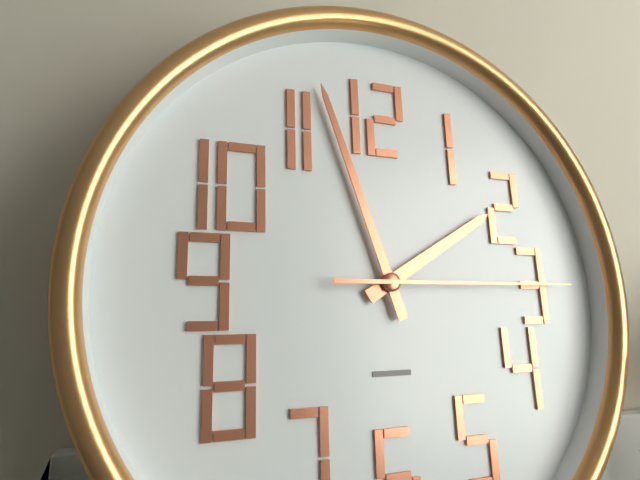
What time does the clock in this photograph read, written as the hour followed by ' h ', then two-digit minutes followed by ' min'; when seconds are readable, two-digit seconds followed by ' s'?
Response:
1 h 57 min 15 s
